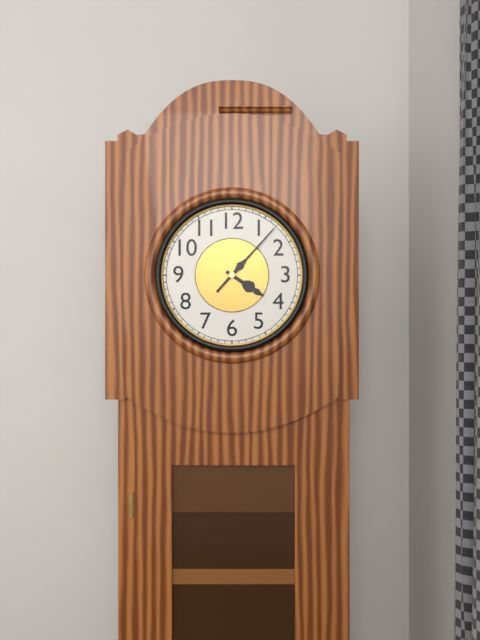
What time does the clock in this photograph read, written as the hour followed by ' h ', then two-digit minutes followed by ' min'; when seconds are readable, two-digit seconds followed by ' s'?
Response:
4 h 07 min
